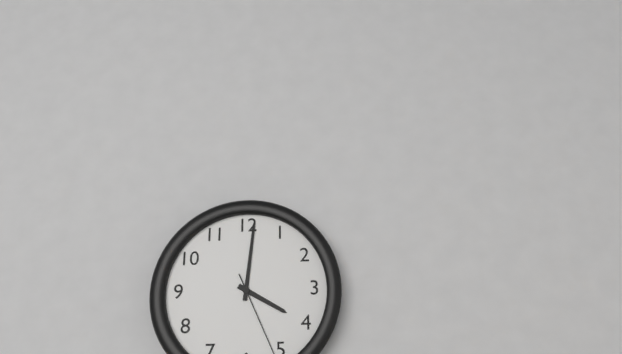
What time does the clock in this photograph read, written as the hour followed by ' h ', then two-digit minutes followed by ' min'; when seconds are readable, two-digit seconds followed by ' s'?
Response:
4 h 01 min
